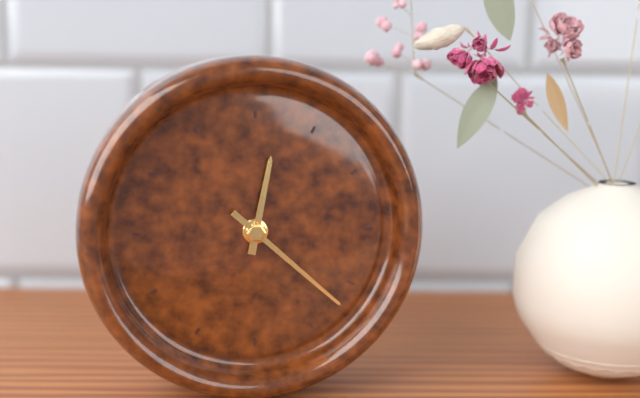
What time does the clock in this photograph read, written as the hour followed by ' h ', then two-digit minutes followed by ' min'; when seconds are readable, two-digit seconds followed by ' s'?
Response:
12 h 22 min
